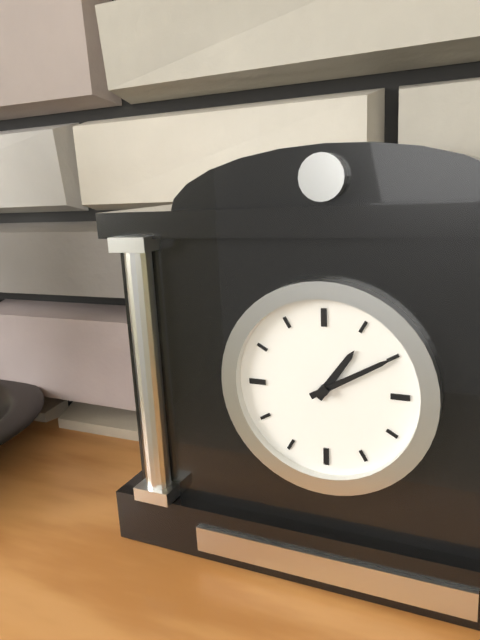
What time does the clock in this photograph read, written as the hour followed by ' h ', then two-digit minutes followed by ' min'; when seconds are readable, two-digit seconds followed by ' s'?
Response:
1 h 10 min
